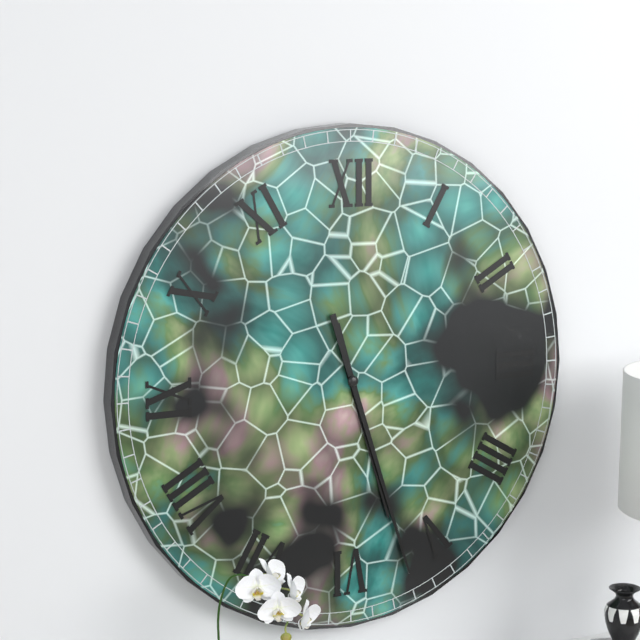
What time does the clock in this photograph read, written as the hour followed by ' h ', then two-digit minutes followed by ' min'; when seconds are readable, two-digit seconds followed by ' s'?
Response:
5 h 27 min
